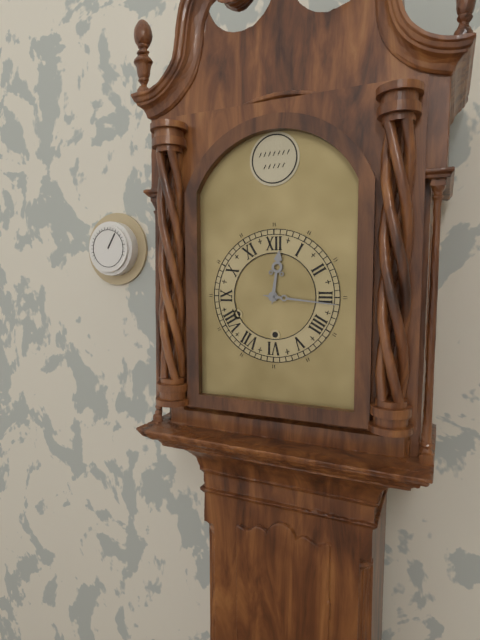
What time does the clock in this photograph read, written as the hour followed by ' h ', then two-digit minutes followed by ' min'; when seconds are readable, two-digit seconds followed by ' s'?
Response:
12 h 16 min
